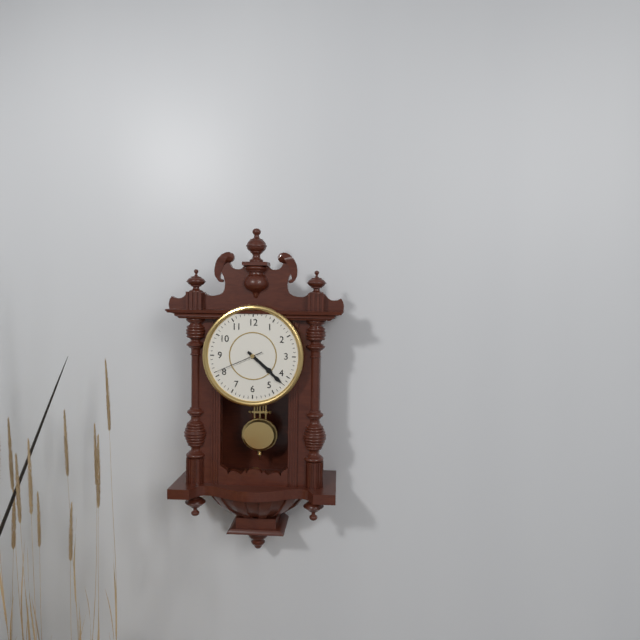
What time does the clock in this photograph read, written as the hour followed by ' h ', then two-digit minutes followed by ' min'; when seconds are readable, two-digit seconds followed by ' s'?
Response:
4 h 22 min 41 s
